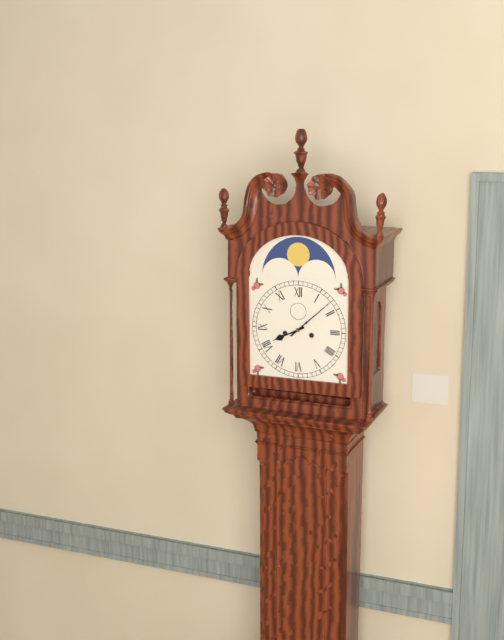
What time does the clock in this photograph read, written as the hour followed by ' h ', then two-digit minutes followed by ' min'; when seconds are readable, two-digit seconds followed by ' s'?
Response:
8 h 08 min
